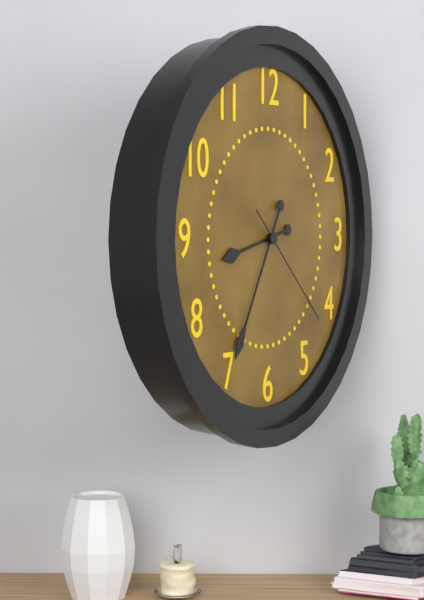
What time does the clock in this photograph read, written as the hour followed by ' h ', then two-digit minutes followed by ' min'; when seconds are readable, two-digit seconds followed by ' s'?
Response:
8 h 35 min 22 s
